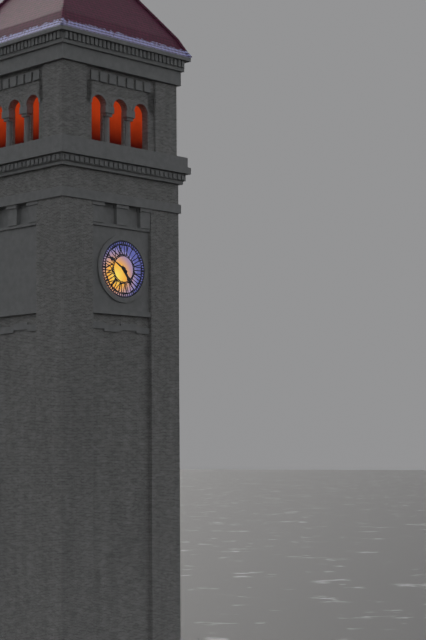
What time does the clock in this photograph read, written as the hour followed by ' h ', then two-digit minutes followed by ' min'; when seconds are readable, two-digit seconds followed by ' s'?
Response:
4 h 50 min
